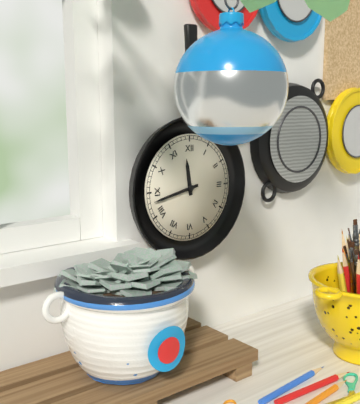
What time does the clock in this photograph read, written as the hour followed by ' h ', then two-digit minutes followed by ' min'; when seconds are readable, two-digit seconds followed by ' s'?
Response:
11 h 43 min
